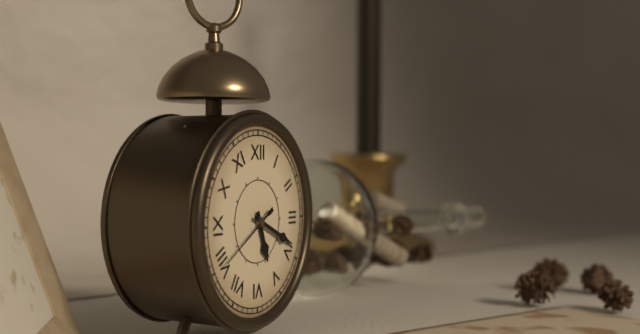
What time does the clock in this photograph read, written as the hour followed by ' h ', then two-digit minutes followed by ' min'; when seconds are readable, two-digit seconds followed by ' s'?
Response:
5 h 19 min 40 s
